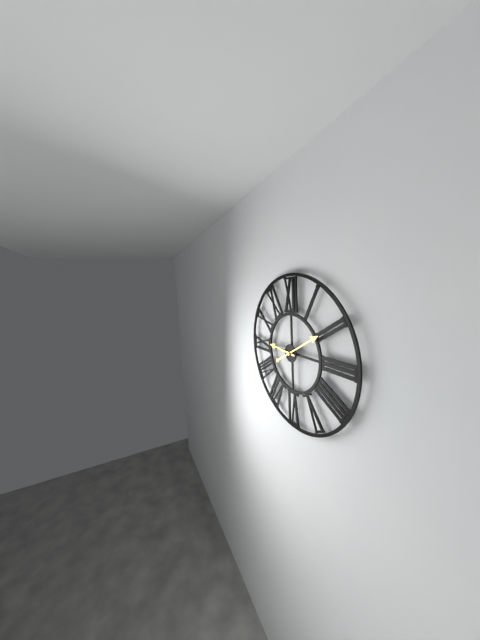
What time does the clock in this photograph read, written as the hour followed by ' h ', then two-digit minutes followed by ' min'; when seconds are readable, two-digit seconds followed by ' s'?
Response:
9 h 10 min
